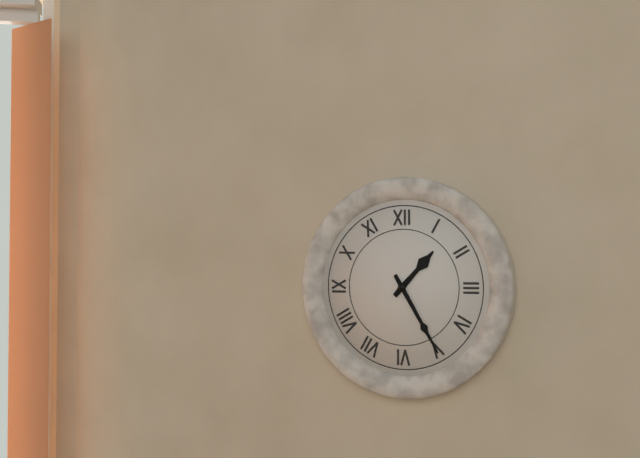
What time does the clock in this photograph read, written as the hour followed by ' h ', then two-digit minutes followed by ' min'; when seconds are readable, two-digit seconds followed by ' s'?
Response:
1 h 25 min
